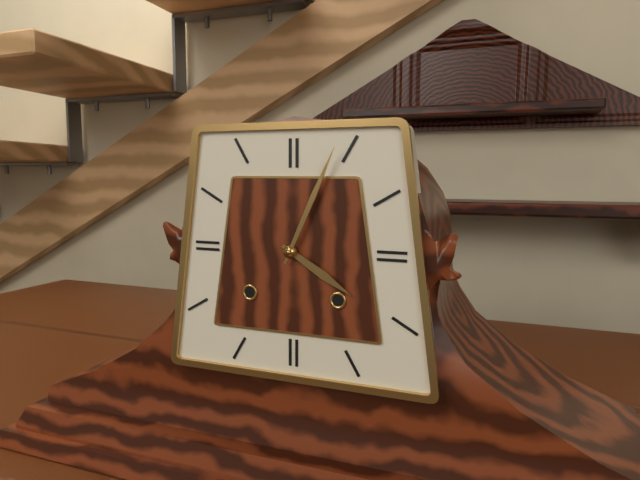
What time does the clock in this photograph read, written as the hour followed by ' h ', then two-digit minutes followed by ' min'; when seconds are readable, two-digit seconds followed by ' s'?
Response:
4 h 04 min
